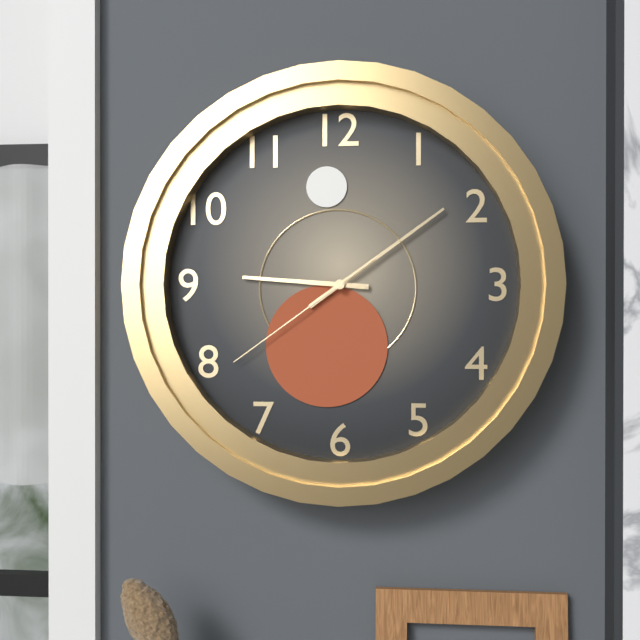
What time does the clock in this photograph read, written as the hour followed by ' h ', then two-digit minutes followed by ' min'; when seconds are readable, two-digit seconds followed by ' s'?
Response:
9 h 09 min 39 s
